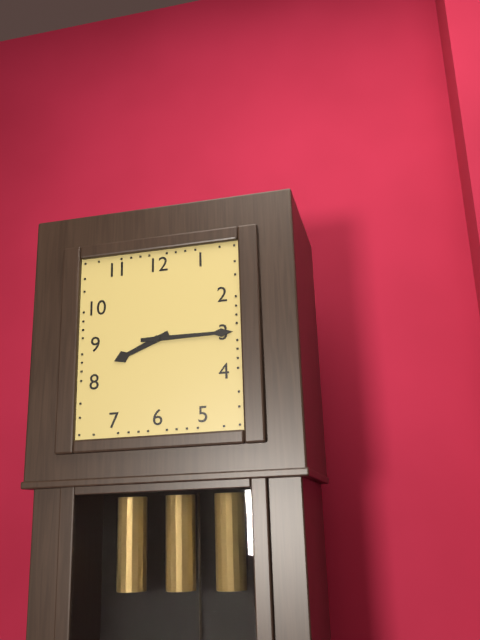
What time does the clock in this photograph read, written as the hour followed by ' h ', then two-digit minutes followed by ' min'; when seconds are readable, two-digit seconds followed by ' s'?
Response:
8 h 15 min
